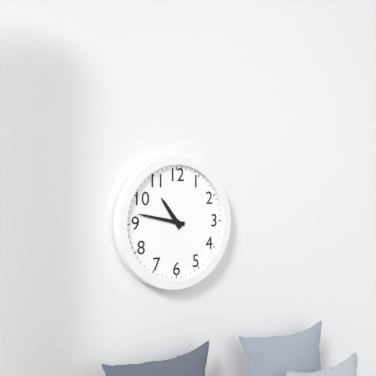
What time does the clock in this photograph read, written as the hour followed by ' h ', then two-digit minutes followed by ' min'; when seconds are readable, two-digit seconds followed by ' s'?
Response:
10 h 47 min
